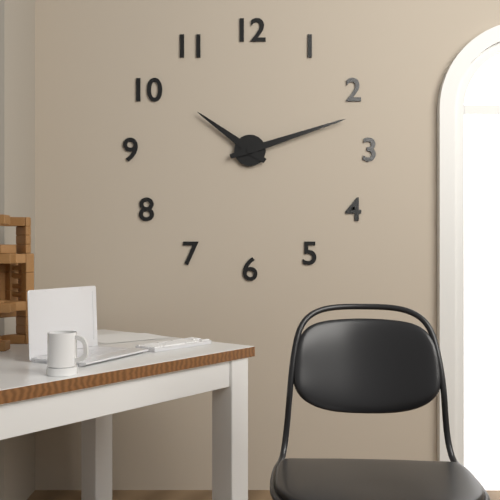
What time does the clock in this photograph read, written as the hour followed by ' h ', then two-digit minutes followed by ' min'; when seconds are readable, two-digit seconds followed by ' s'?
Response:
10 h 12 min
